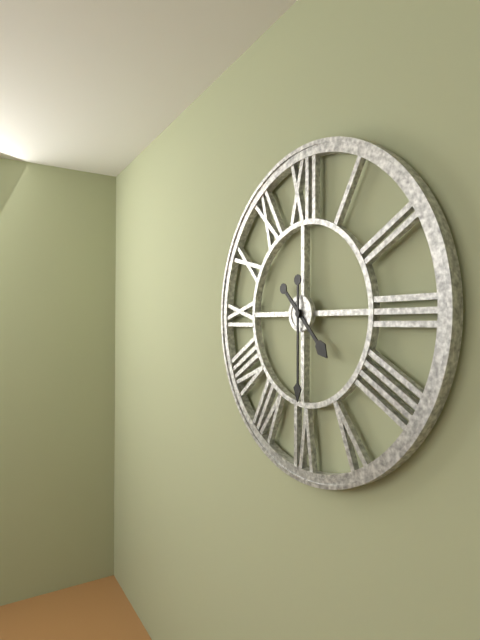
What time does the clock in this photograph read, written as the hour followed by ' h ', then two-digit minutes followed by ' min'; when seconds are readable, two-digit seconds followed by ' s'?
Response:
4 h 30 min
